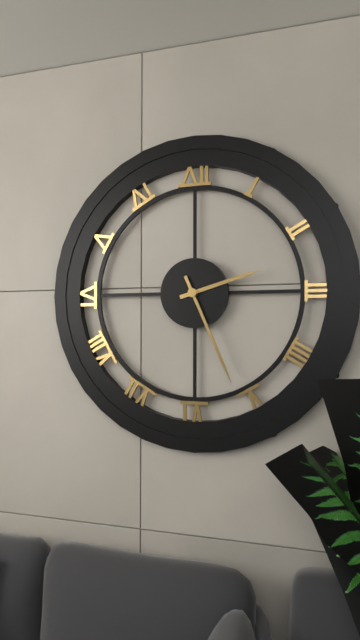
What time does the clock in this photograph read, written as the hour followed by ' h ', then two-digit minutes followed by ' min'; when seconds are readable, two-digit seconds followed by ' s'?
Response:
2 h 26 min
